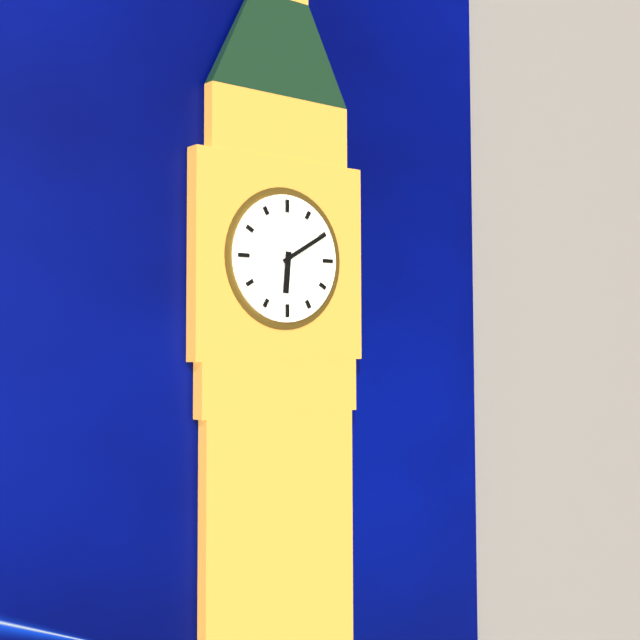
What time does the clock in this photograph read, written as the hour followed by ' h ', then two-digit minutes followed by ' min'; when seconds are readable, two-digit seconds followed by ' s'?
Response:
6 h 10 min
